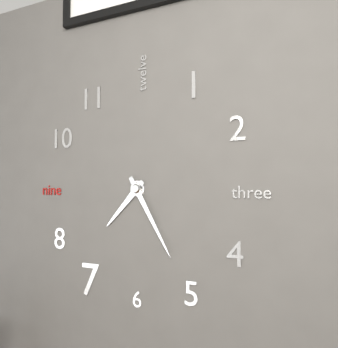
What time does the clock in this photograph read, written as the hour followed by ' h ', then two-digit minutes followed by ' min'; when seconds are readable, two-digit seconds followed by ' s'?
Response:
7 h 25 min
